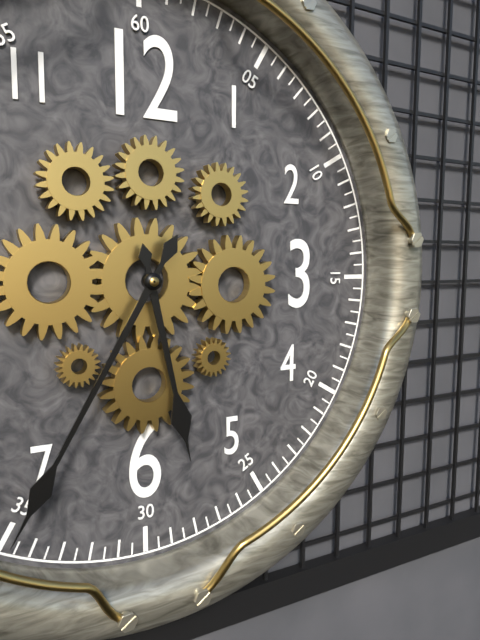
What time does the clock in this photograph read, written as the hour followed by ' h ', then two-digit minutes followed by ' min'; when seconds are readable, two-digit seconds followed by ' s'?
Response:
5 h 35 min
